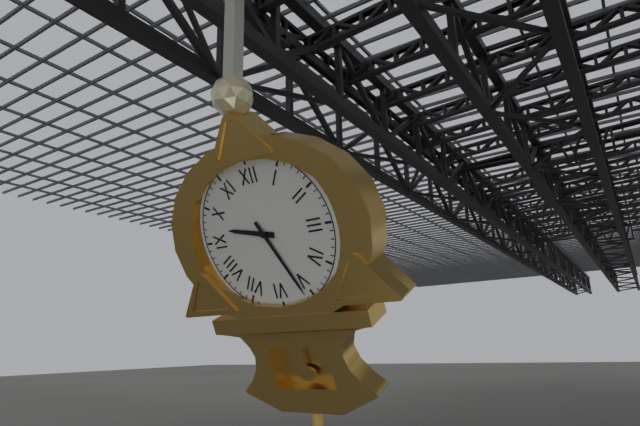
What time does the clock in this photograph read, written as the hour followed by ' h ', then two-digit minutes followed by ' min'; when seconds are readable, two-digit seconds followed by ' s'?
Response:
9 h 26 min
